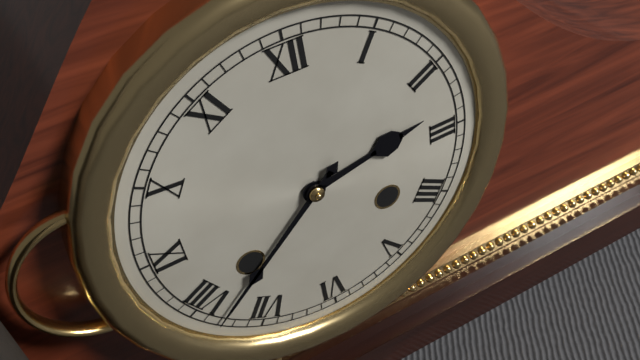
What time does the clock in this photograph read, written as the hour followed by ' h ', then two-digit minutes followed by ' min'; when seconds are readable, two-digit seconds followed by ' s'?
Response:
2 h 38 min
